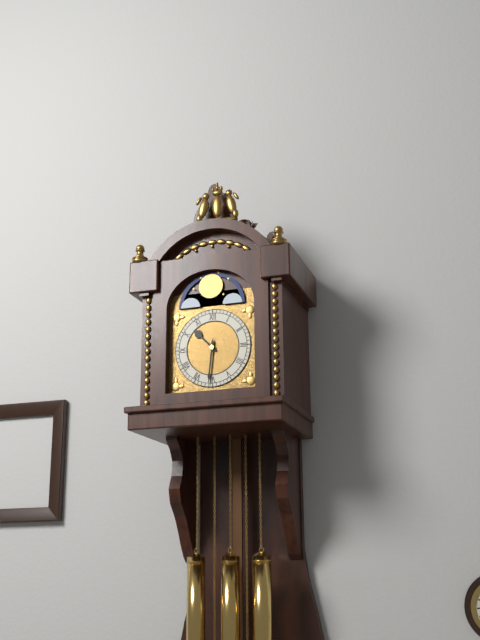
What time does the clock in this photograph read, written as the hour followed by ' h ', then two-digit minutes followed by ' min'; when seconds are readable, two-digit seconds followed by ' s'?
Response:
10 h 31 min
